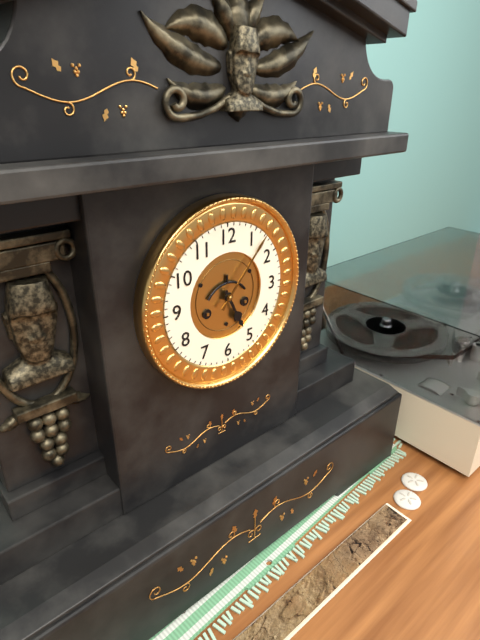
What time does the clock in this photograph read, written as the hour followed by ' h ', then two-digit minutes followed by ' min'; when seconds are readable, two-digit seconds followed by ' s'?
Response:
5 h 07 min
